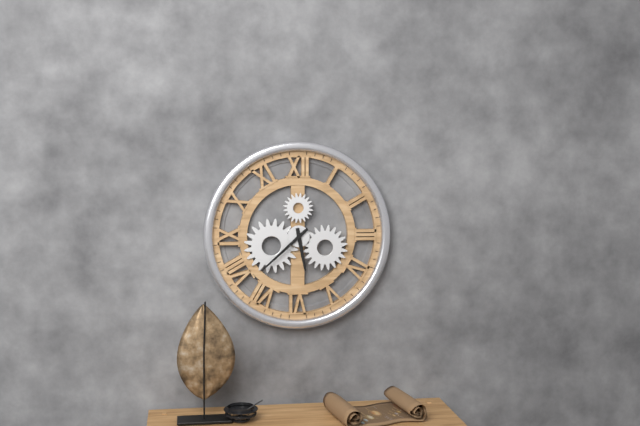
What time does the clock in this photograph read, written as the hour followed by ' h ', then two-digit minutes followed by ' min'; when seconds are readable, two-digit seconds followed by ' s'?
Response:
5 h 38 min
